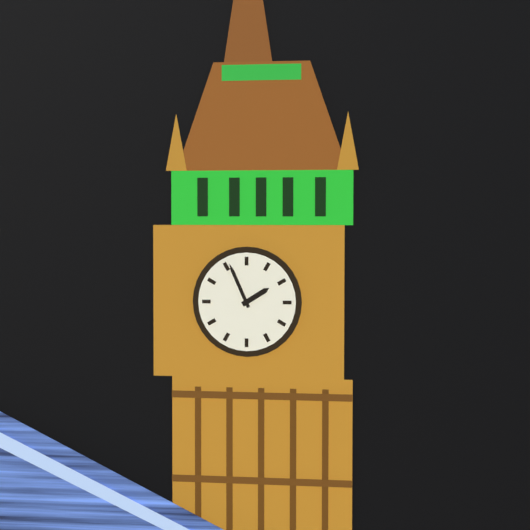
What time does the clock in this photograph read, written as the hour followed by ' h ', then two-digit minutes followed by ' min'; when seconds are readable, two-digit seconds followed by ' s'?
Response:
1 h 56 min
